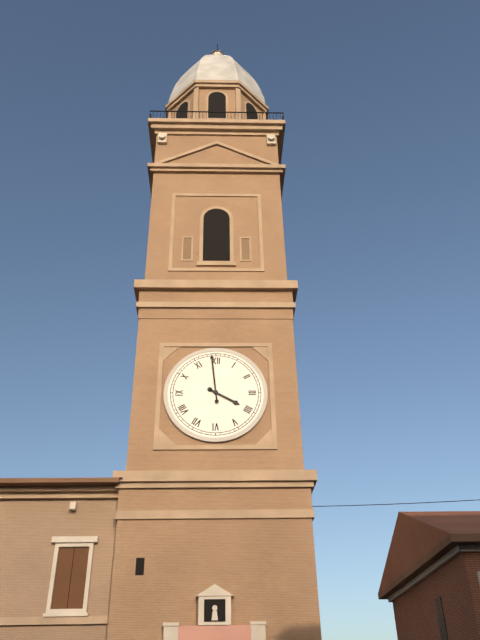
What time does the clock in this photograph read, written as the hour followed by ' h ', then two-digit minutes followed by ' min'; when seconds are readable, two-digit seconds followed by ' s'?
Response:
3 h 59 min
